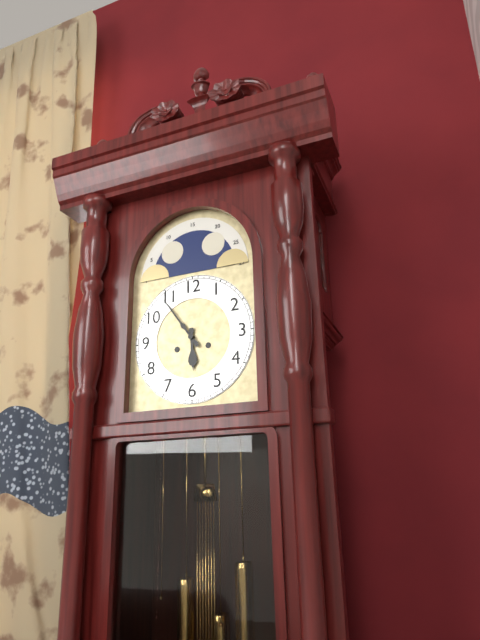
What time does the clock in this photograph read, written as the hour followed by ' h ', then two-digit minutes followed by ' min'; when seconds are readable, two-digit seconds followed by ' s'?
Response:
5 h 54 min
